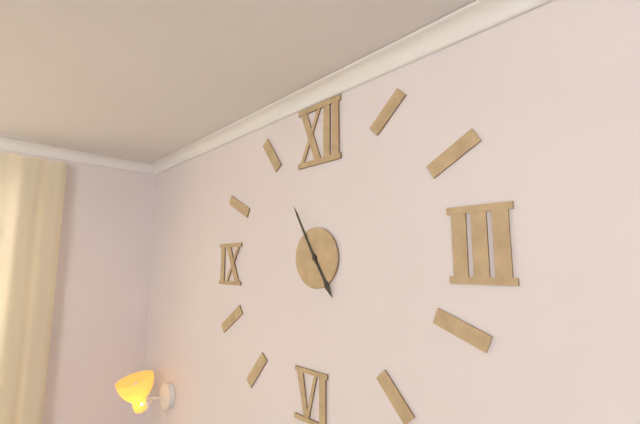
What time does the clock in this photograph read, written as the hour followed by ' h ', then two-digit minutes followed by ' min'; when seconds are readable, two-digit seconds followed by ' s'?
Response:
4 h 55 min
